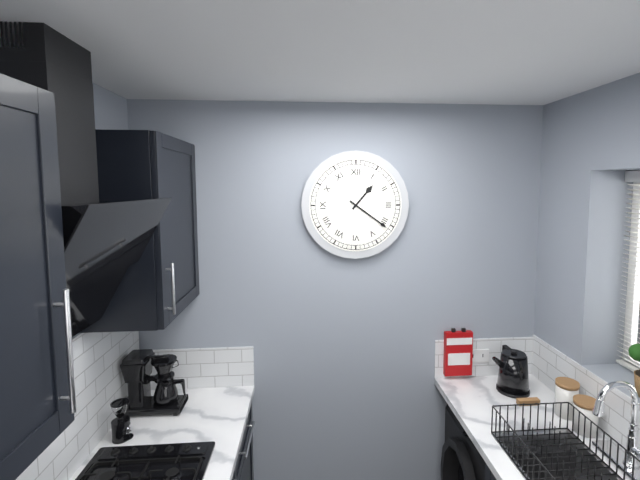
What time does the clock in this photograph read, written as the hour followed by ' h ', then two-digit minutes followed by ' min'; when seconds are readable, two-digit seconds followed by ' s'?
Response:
1 h 21 min
